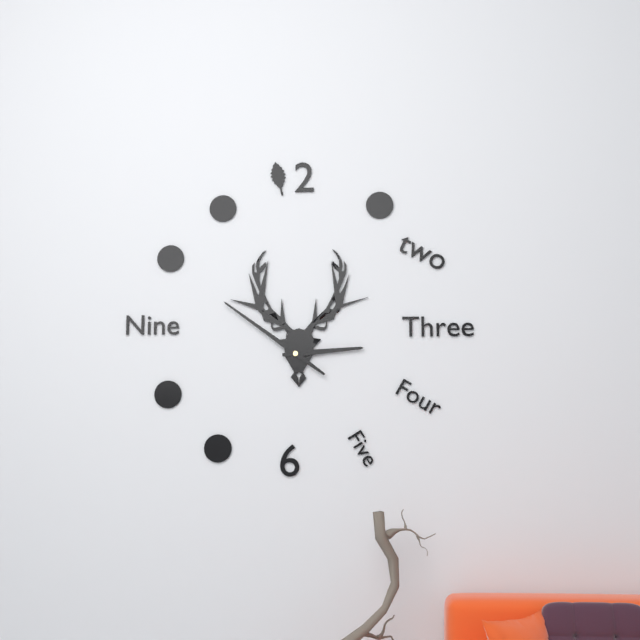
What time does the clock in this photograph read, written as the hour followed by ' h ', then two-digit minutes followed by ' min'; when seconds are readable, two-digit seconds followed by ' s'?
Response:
2 h 51 min
